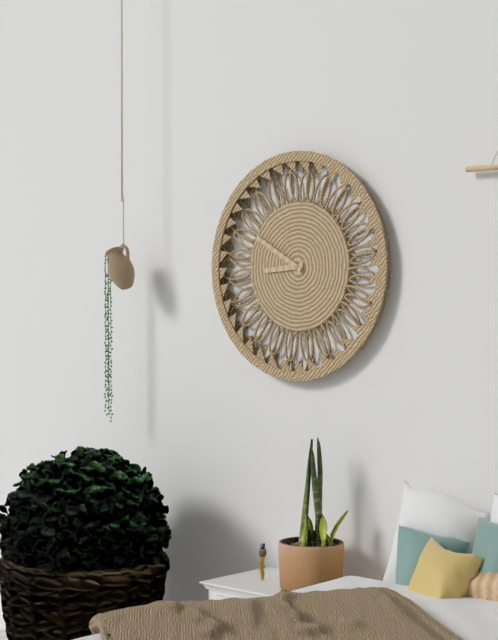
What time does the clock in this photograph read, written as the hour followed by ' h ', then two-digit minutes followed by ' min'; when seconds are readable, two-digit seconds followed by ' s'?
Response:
8 h 50 min
